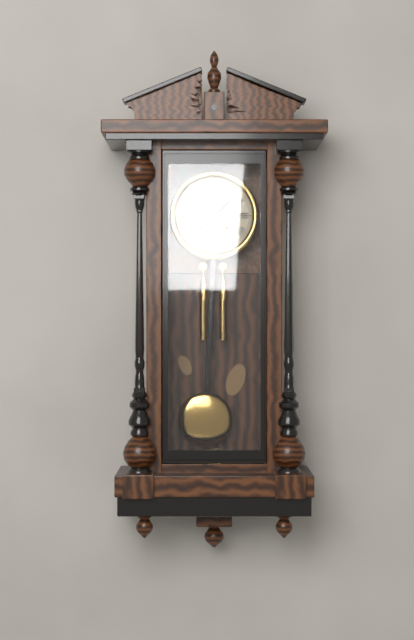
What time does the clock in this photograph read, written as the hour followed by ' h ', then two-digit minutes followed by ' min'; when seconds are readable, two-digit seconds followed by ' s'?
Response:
5 h 08 min
